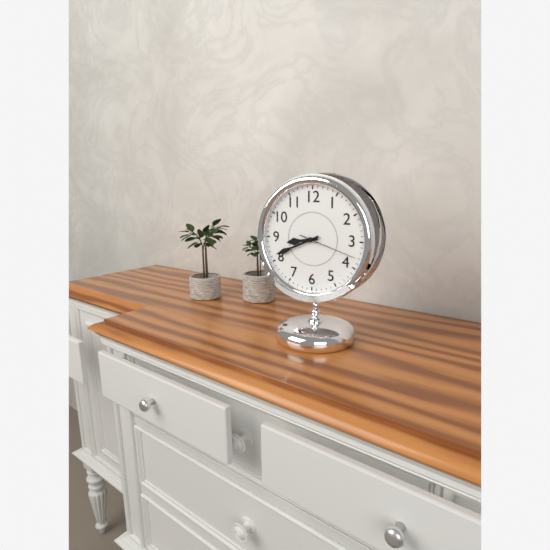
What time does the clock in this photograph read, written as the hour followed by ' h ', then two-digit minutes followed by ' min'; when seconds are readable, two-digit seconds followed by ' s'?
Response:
8 h 41 min 18 s
